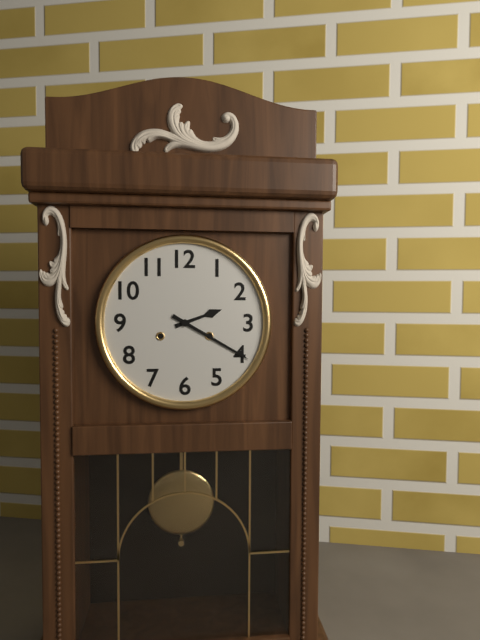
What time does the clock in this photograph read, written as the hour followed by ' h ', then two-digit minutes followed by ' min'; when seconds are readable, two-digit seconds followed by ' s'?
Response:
2 h 20 min
